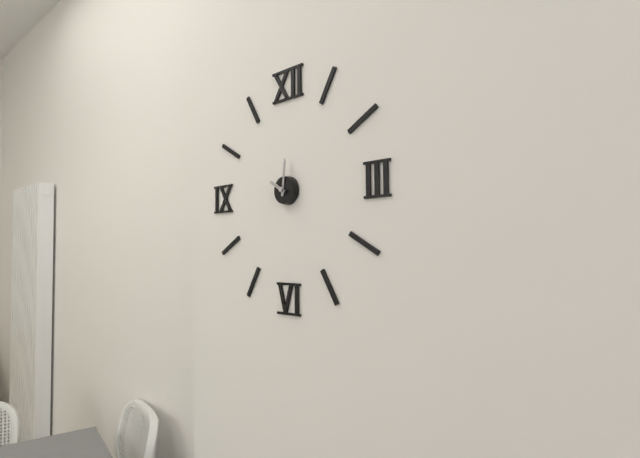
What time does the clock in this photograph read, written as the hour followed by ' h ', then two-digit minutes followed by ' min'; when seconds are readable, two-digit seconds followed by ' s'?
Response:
10 h 01 min
